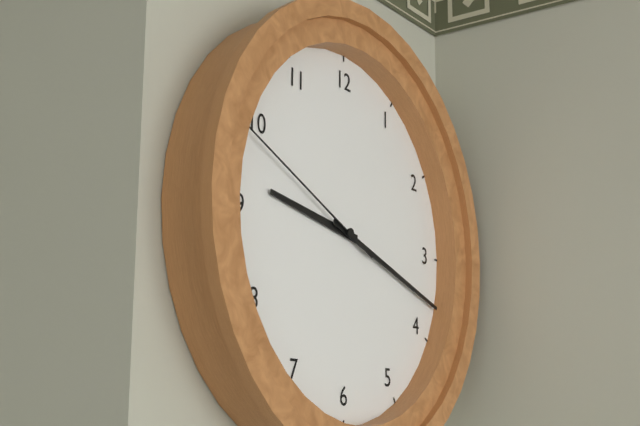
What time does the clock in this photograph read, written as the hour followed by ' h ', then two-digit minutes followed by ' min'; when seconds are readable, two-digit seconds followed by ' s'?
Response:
9 h 18 min 49 s
